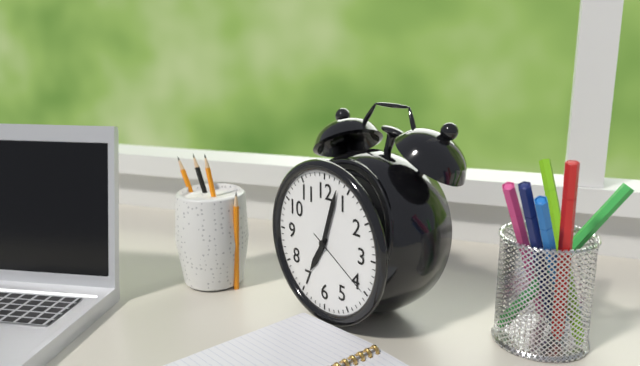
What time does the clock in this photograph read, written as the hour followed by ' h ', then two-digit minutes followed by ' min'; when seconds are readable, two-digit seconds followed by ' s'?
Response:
7 h 03 min 20 s
